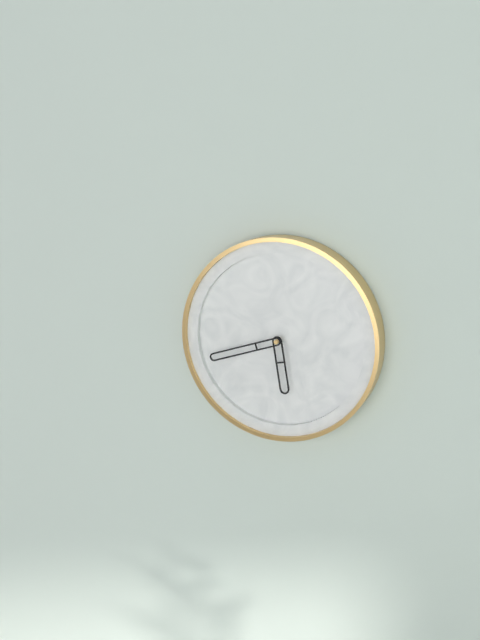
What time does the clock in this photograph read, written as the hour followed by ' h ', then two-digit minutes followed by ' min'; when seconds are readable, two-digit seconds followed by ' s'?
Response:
5 h 42 min
